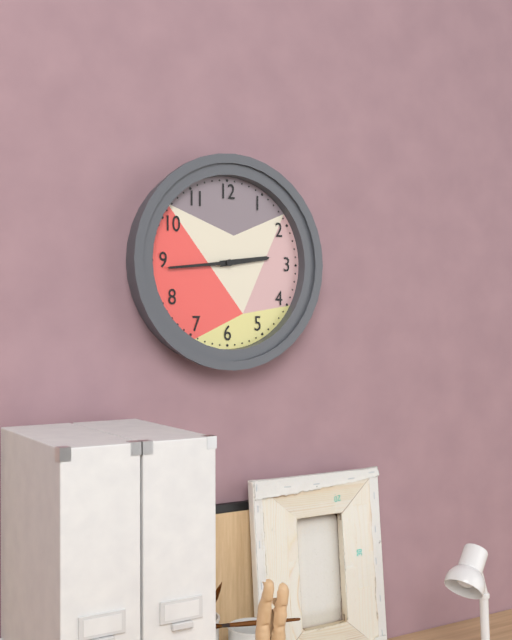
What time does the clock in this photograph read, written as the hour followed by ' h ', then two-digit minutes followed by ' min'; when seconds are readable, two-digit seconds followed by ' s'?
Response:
2 h 44 min
